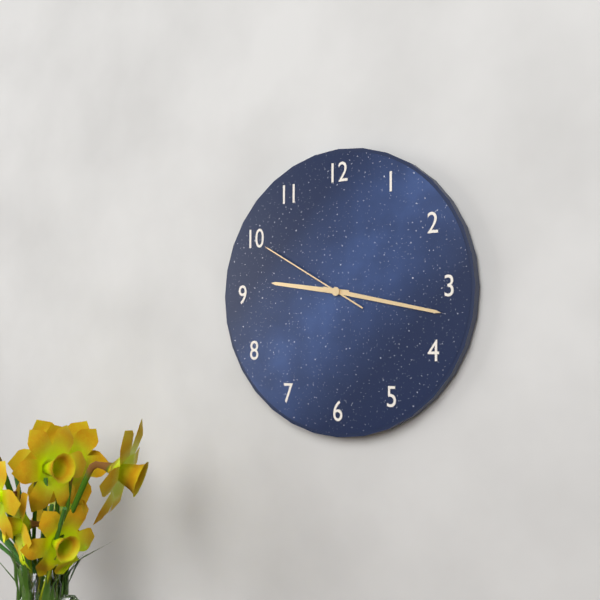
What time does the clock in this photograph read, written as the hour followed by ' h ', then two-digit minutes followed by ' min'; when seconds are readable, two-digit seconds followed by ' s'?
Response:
9 h 17 min 50 s
